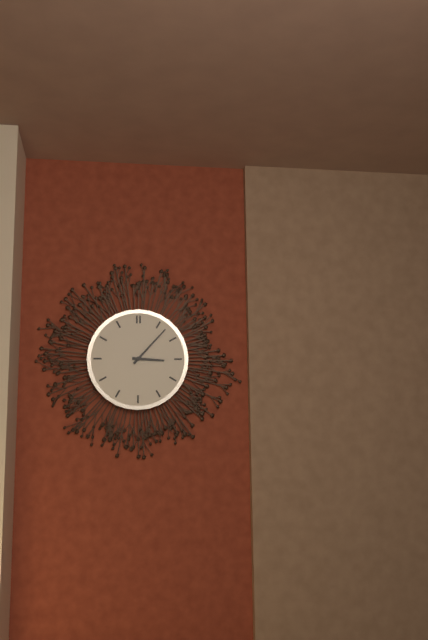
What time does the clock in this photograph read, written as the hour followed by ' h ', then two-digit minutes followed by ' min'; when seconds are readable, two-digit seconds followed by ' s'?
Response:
3 h 07 min
